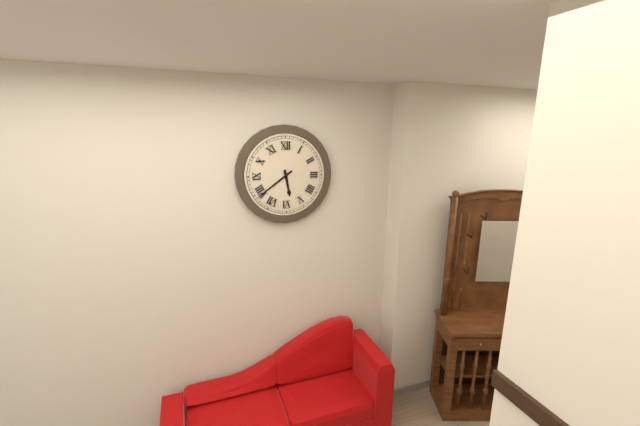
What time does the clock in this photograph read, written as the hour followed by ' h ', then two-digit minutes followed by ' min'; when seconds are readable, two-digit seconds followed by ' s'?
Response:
5 h 39 min
